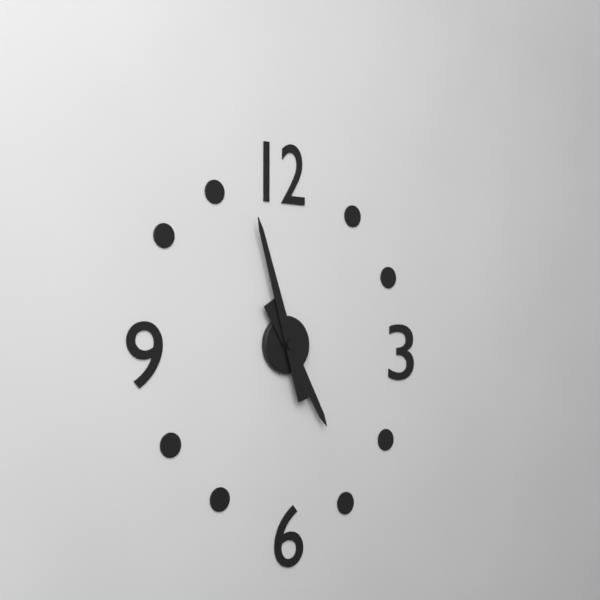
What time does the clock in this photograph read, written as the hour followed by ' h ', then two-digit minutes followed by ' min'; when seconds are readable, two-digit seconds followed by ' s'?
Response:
4 h 57 min
